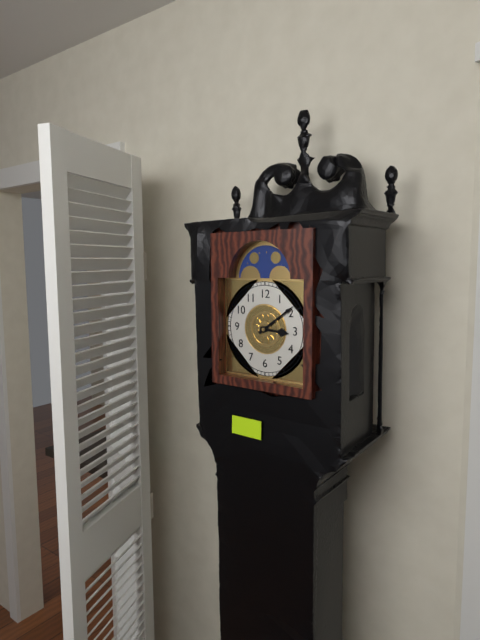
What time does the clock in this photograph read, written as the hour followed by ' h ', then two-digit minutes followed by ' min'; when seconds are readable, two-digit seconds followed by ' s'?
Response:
3 h 09 min
